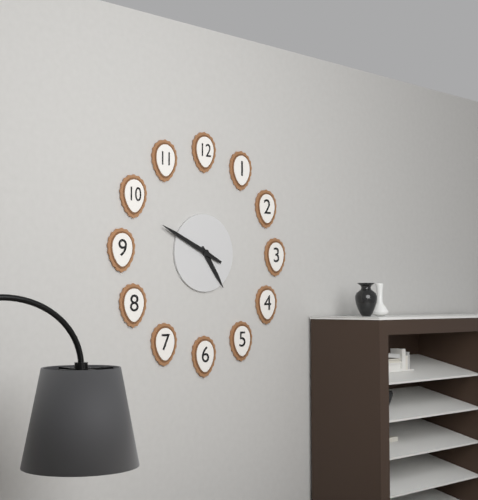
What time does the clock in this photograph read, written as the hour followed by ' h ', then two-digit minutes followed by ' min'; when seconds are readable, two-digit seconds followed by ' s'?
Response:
4 h 49 min
